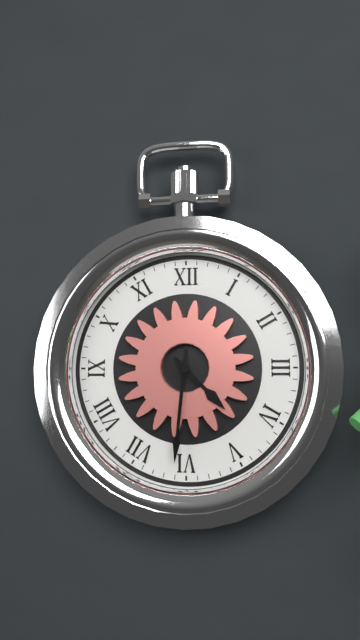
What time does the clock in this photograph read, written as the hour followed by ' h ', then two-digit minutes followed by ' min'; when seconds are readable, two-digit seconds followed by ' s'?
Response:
4 h 31 min
